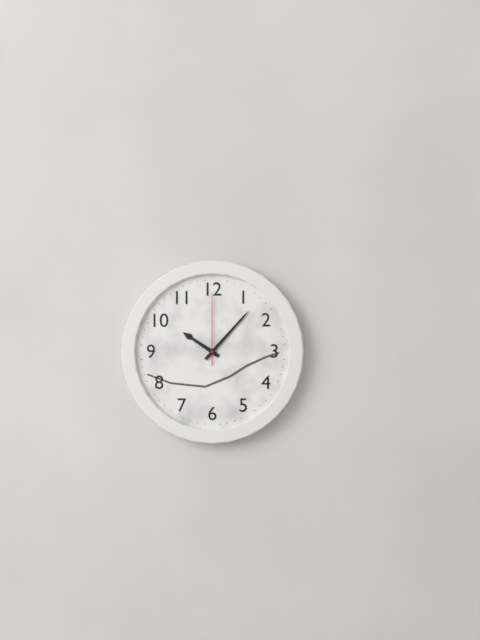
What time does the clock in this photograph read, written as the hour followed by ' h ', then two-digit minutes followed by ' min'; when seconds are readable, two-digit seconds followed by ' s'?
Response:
10 h 07 min 00 s
